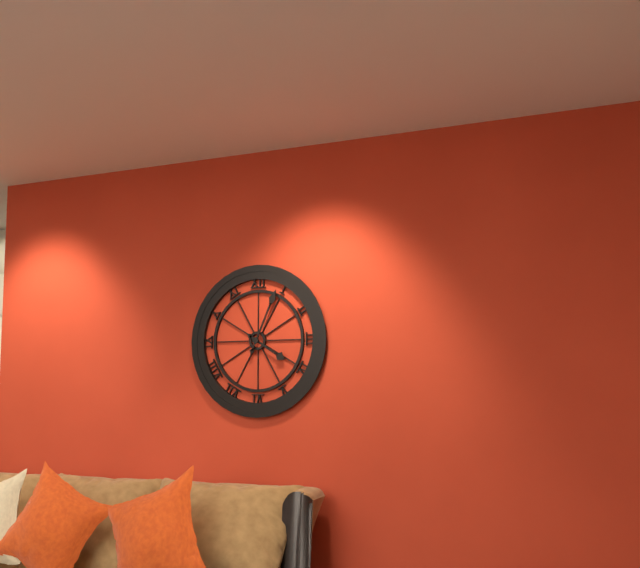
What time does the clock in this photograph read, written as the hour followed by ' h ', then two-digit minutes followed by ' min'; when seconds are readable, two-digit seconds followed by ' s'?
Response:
4 h 04 min
